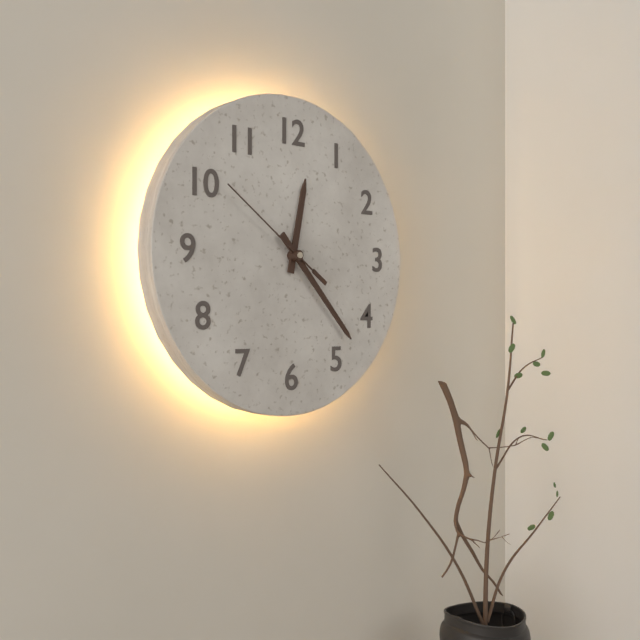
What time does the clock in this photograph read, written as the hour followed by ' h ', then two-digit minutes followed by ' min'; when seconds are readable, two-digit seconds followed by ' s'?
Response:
12 h 23 min 51 s
